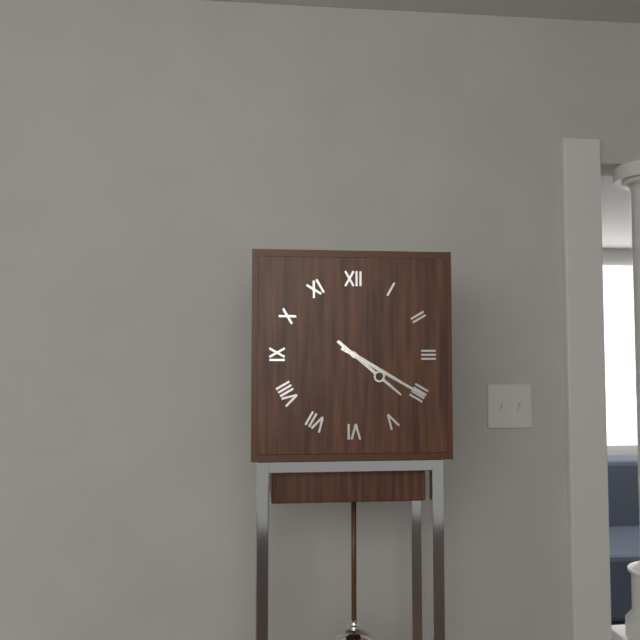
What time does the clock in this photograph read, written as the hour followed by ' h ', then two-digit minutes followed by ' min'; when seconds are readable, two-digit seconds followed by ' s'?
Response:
4 h 20 min
